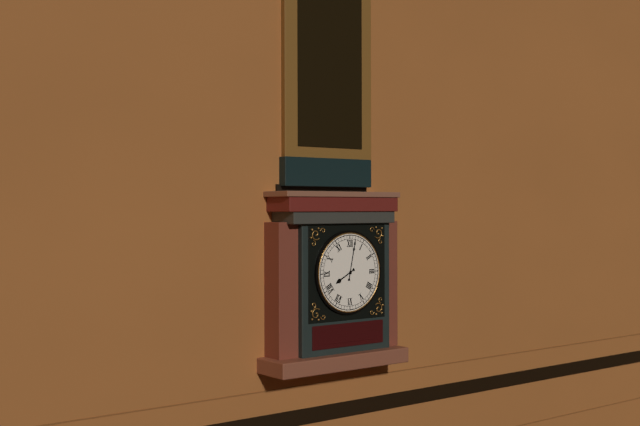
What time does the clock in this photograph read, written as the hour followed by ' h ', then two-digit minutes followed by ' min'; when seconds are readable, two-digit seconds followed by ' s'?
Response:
8 h 02 min
